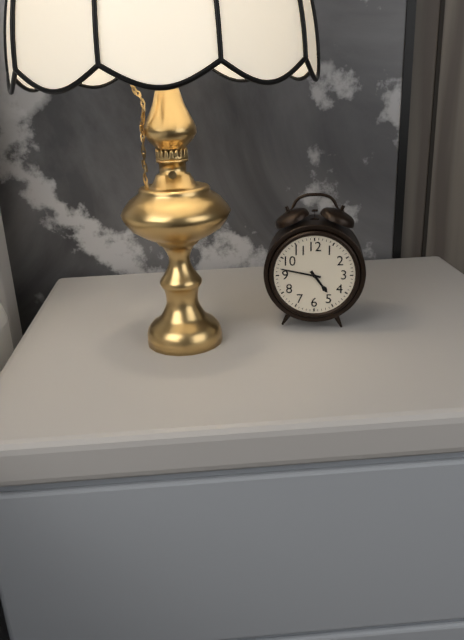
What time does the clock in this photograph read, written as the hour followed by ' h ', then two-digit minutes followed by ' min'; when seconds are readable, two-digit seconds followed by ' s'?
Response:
4 h 47 min
